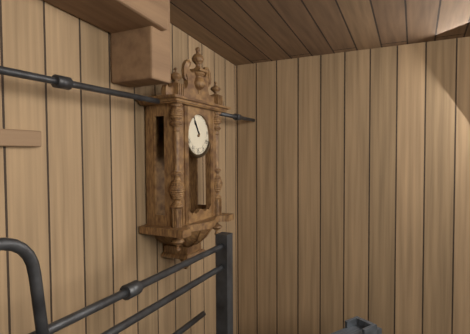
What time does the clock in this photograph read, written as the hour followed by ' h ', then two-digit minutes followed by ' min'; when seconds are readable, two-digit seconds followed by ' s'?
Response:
10 h 55 min
